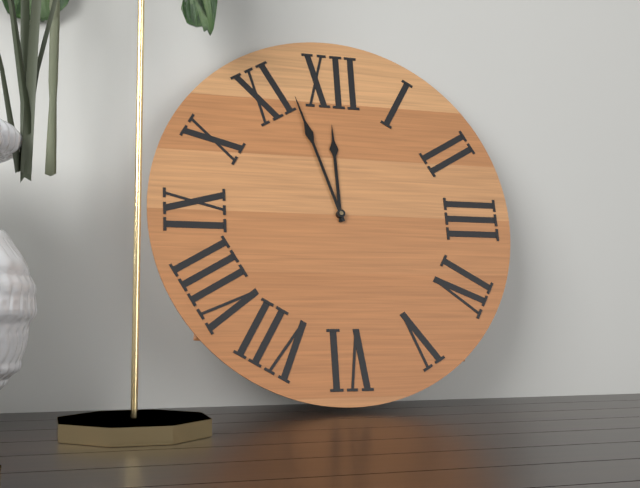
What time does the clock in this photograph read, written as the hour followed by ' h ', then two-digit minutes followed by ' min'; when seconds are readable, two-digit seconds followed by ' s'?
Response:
11 h 57 min
